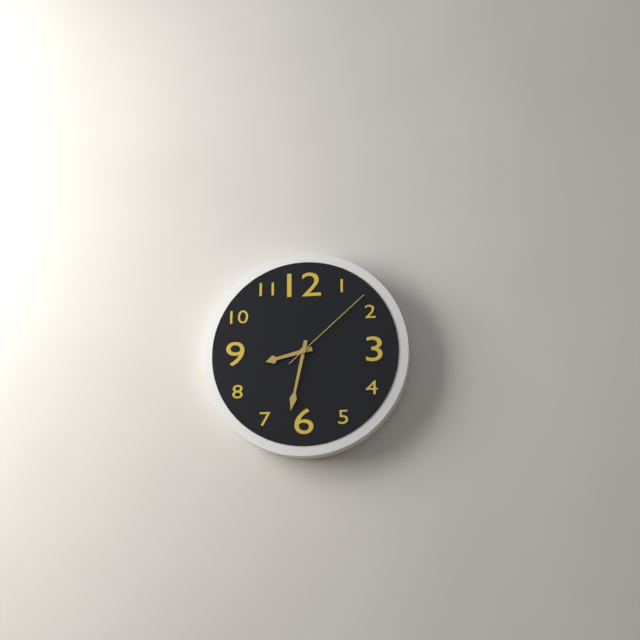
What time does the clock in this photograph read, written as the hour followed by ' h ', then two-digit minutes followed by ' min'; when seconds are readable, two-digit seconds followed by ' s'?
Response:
8 h 32 min 08 s
